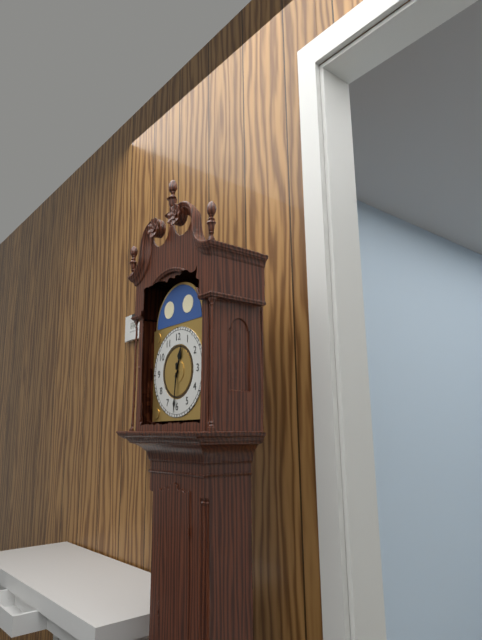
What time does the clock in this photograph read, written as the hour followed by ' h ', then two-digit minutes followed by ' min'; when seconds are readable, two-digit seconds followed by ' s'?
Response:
12 h 31 min
